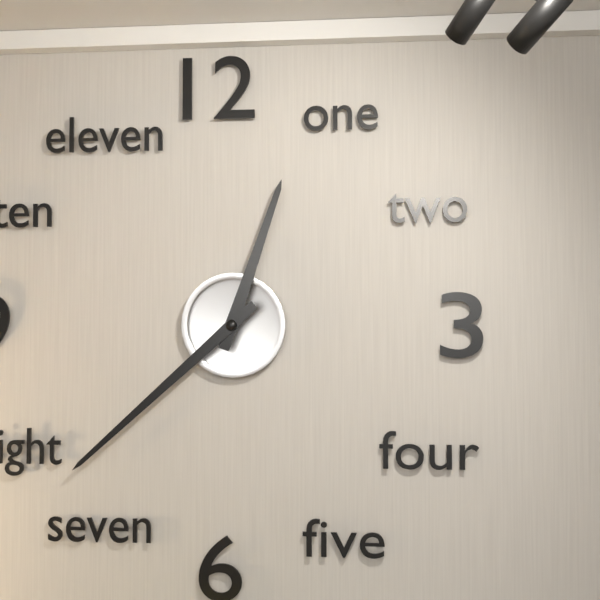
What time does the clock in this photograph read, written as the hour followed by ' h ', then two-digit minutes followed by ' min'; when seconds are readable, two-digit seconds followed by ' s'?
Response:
12 h 38 min
